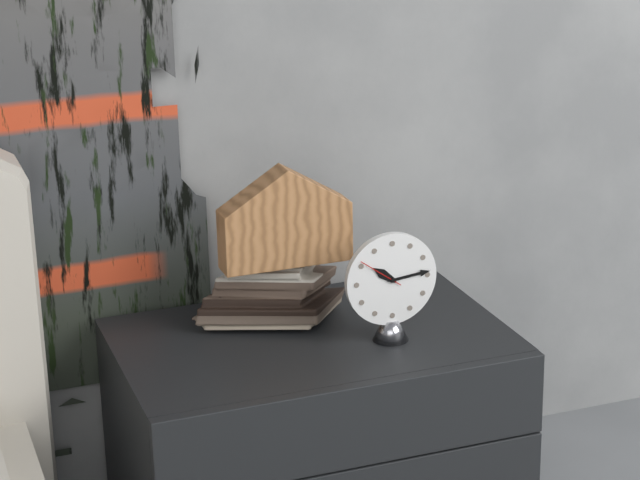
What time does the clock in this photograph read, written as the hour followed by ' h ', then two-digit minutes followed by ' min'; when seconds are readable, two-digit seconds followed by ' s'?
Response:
10 h 14 min
